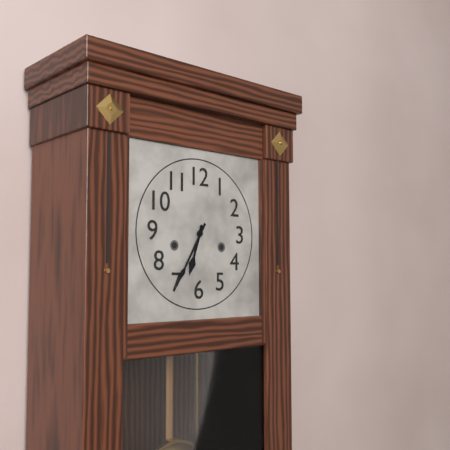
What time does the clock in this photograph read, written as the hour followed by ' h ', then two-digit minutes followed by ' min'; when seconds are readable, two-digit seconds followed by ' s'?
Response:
6 h 35 min
